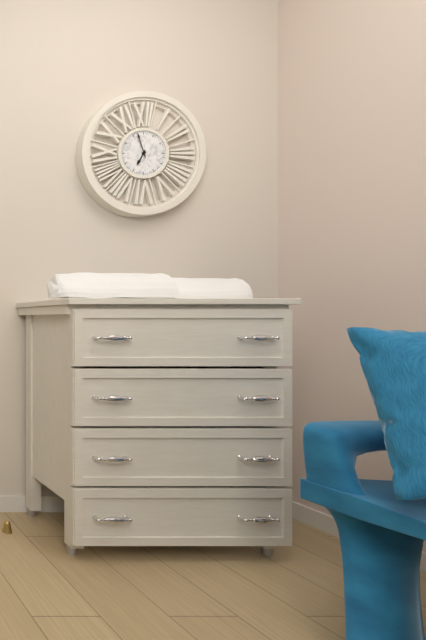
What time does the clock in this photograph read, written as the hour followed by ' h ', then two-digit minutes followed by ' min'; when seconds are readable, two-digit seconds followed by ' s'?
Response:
6 h 57 min
